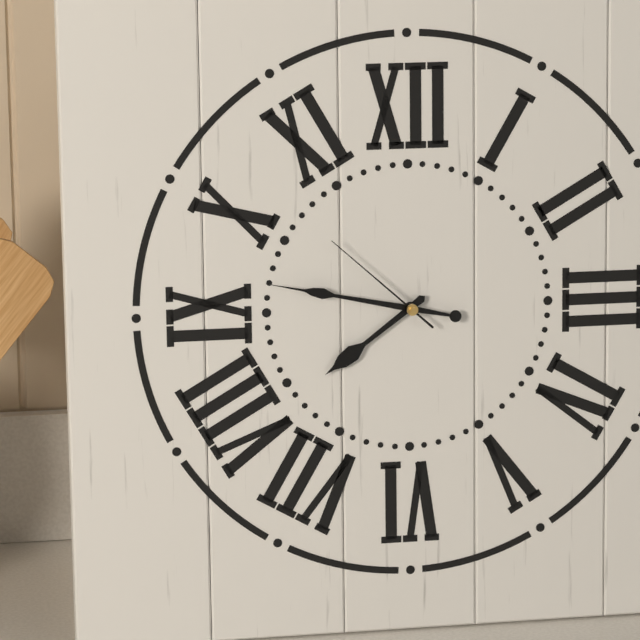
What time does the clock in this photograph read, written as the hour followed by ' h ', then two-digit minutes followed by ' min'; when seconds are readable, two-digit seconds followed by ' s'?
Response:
7 h 47 min 52 s
